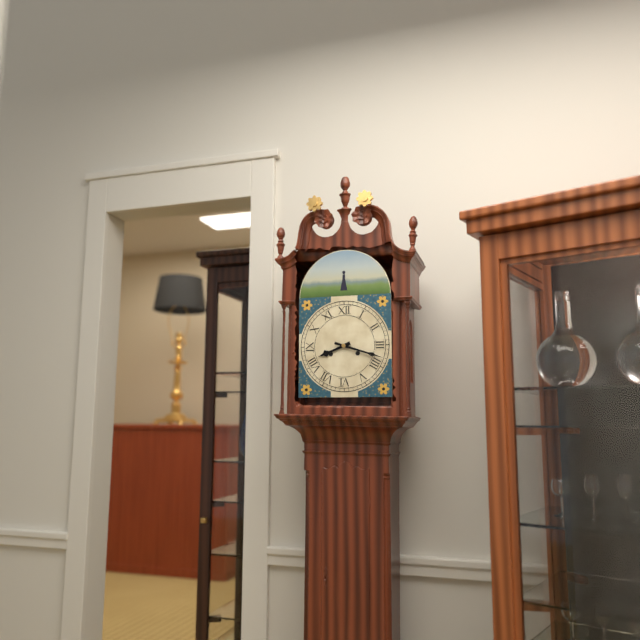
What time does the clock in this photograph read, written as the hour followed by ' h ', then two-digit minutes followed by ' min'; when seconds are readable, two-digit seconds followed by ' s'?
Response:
8 h 18 min
